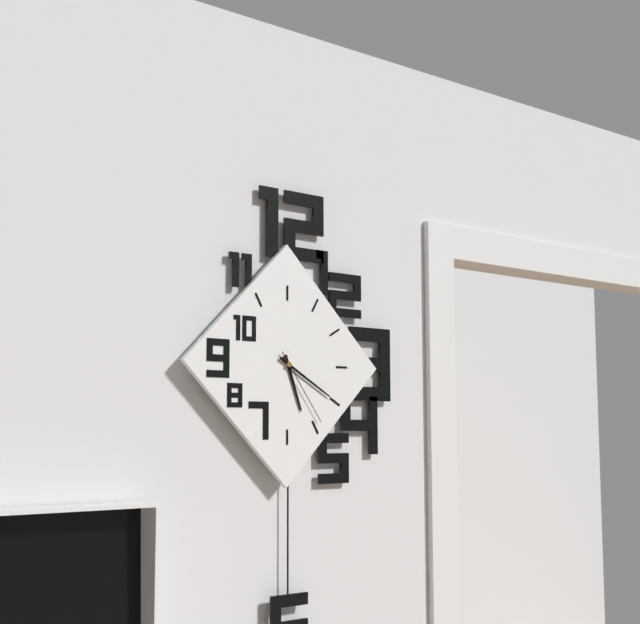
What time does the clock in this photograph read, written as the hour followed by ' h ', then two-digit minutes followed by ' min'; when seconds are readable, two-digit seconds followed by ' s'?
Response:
5 h 20 min 24 s
